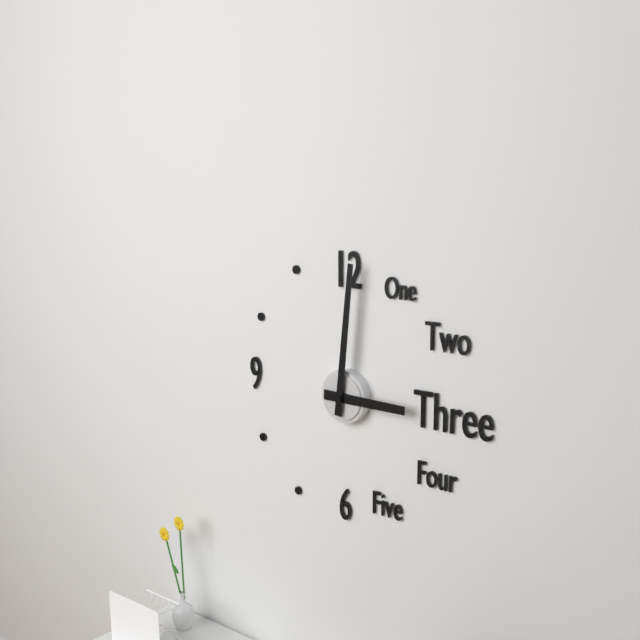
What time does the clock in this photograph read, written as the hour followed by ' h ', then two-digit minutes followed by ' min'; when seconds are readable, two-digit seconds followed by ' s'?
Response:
3 h 01 min
